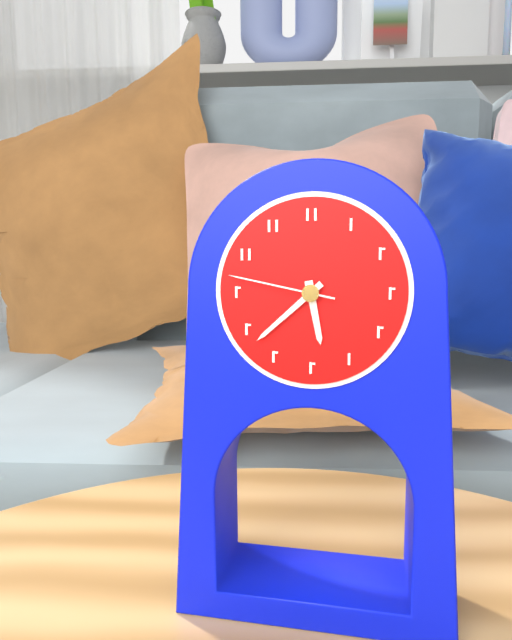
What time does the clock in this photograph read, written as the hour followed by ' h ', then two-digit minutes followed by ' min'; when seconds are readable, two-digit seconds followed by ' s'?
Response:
5 h 38 min 47 s
